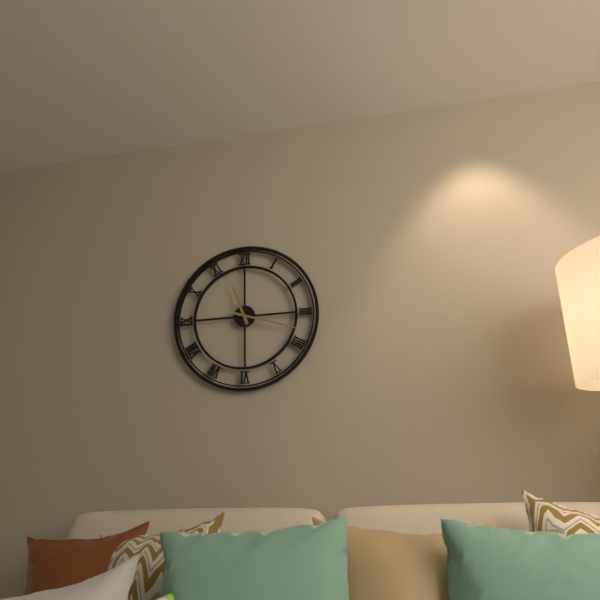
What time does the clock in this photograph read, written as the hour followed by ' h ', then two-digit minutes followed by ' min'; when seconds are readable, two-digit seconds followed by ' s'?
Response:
11 h 18 min
